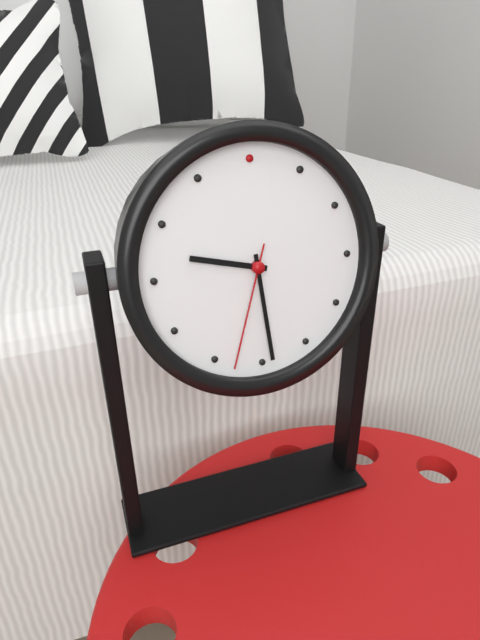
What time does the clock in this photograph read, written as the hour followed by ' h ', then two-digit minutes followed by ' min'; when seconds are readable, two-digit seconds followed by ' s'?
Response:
9 h 29 min 33 s
